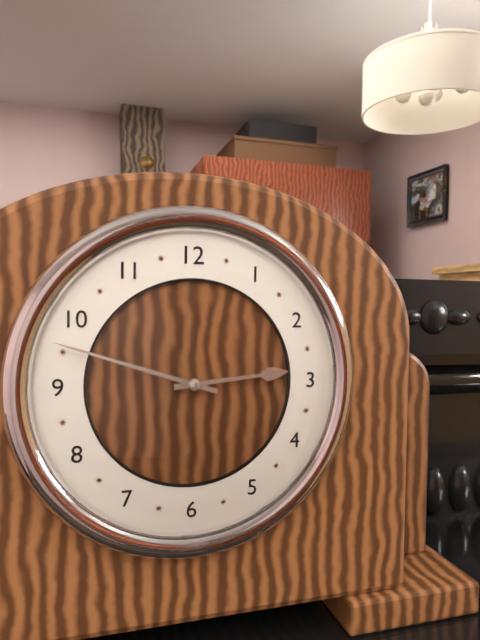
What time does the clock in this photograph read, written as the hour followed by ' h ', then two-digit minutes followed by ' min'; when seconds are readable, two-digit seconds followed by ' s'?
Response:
2 h 48 min
